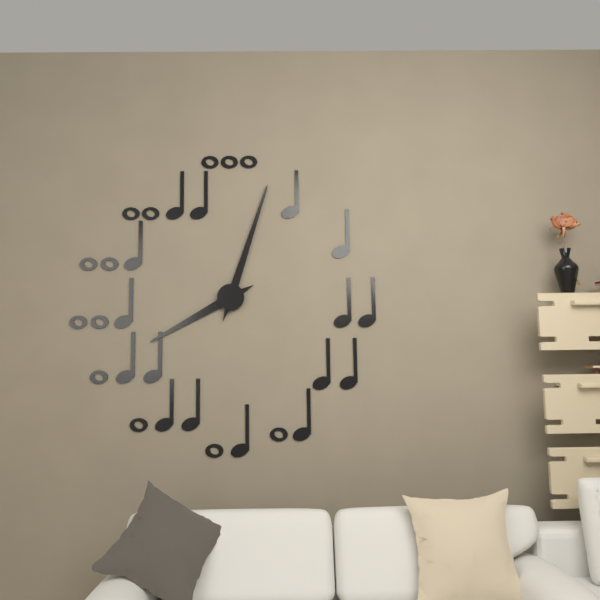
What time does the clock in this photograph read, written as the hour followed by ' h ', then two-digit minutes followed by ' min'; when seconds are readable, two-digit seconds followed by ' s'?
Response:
8 h 03 min
